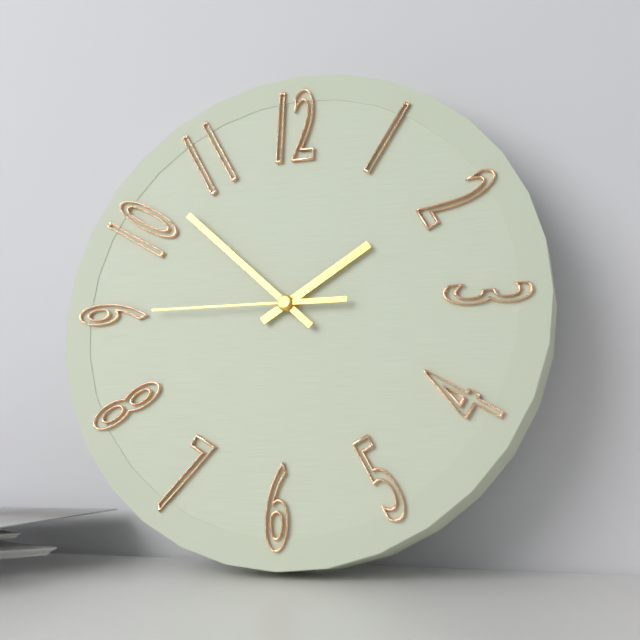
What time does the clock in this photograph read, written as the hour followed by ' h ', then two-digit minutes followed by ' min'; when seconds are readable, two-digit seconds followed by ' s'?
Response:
1 h 52 min 45 s
